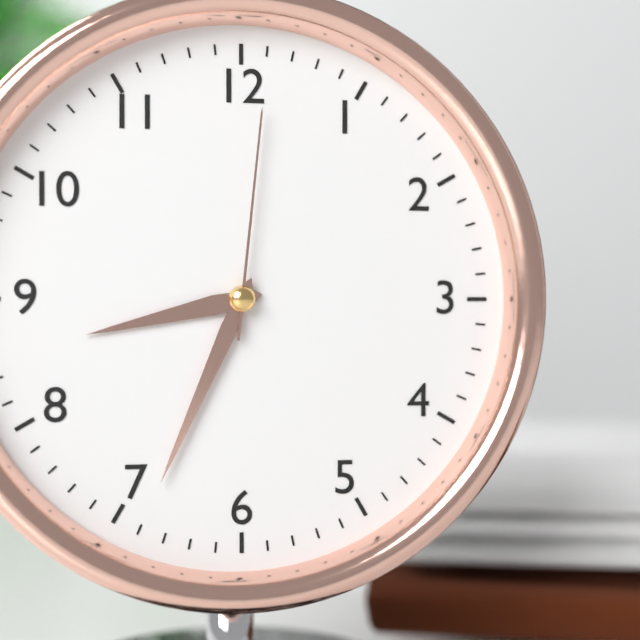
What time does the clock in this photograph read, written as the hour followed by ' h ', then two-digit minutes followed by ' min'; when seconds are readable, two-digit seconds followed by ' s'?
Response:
8 h 34 min 01 s
